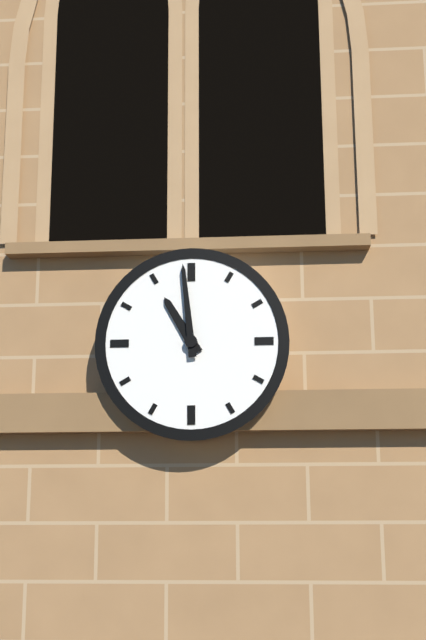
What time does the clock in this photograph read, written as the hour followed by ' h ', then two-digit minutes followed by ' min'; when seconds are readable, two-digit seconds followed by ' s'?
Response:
10 h 59 min
